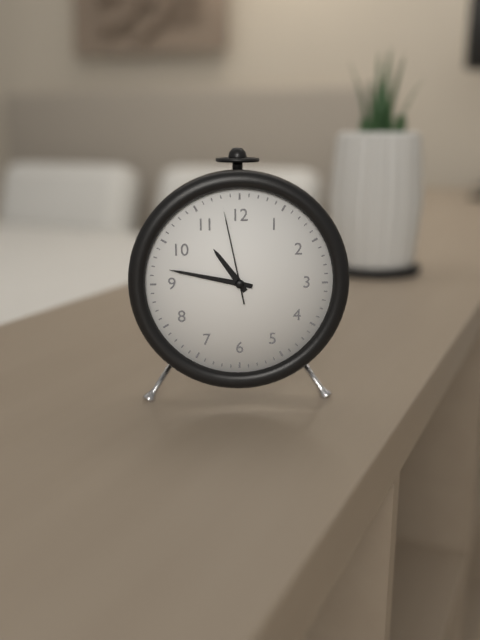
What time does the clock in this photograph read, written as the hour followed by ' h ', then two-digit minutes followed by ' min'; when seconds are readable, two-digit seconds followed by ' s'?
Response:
10 h 47 min 58 s
